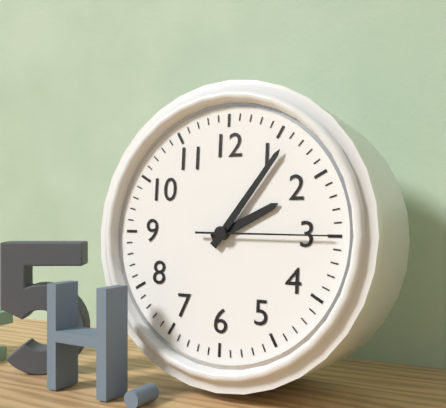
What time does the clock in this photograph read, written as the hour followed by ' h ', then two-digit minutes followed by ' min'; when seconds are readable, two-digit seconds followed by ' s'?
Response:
2 h 06 min 15 s
